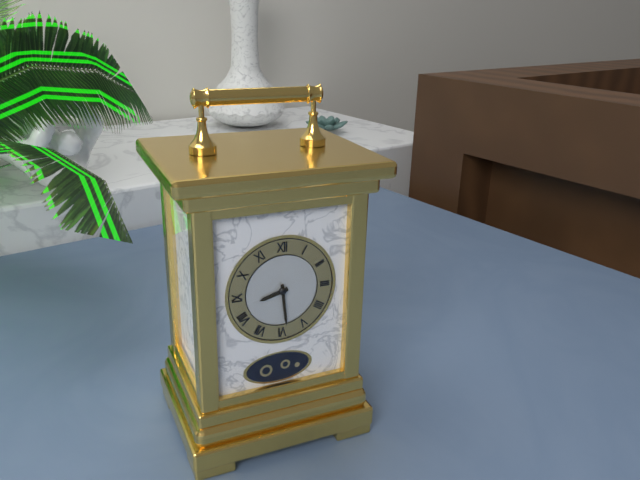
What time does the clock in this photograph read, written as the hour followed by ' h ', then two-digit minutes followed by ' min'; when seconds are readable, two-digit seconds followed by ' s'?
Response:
8 h 29 min
